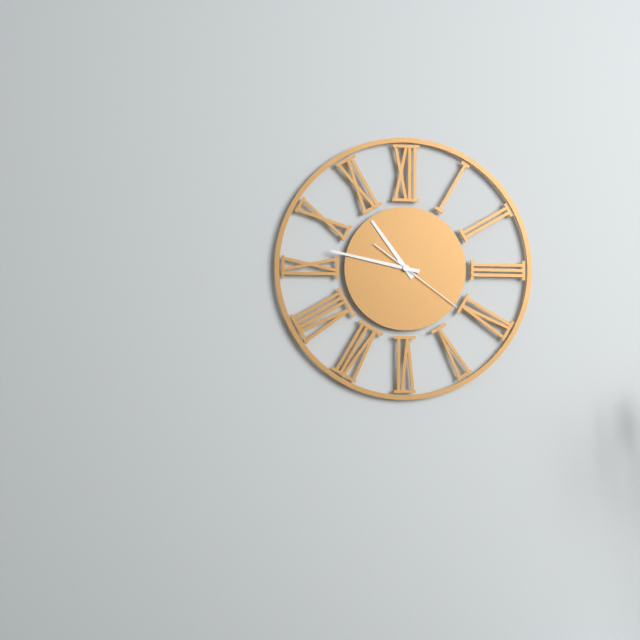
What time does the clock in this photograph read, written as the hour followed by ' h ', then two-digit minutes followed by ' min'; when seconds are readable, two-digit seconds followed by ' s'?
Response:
10 h 47 min 21 s
